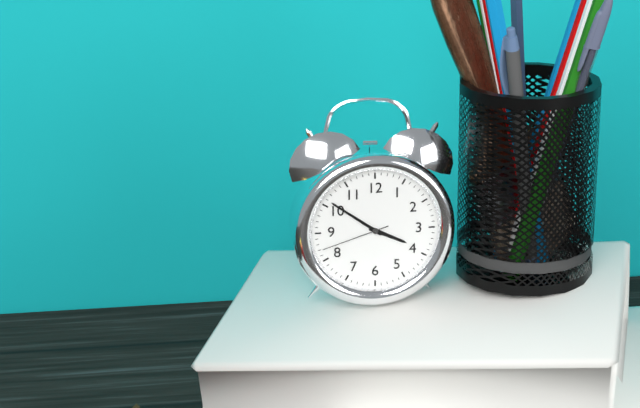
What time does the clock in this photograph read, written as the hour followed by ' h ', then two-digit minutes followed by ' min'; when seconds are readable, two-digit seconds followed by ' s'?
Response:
3 h 51 min 42 s
